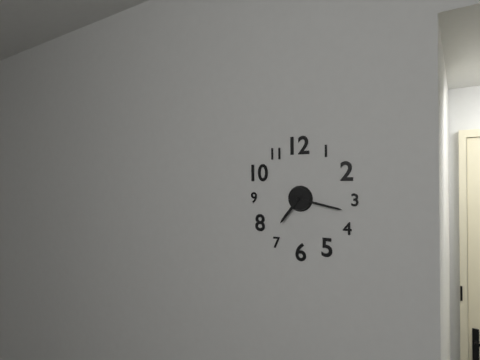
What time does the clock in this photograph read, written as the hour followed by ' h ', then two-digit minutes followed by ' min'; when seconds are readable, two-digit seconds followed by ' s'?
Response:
7 h 17 min
